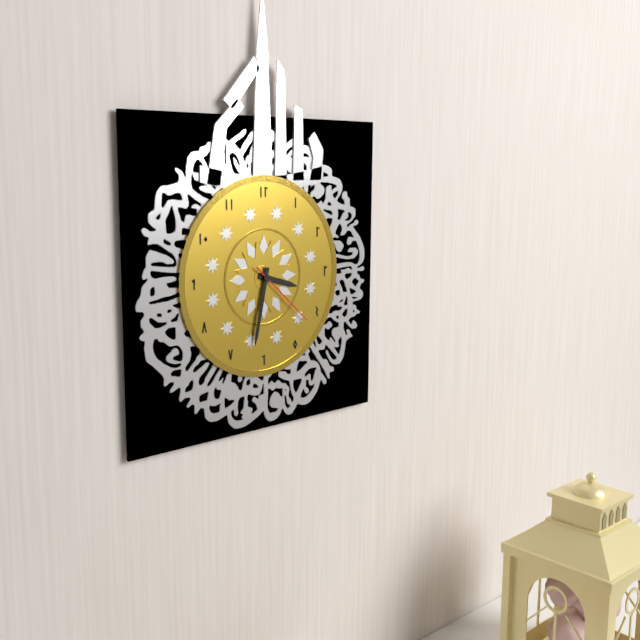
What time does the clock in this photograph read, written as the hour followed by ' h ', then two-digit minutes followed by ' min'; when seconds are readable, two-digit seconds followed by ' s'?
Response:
3 h 32 min 22 s
